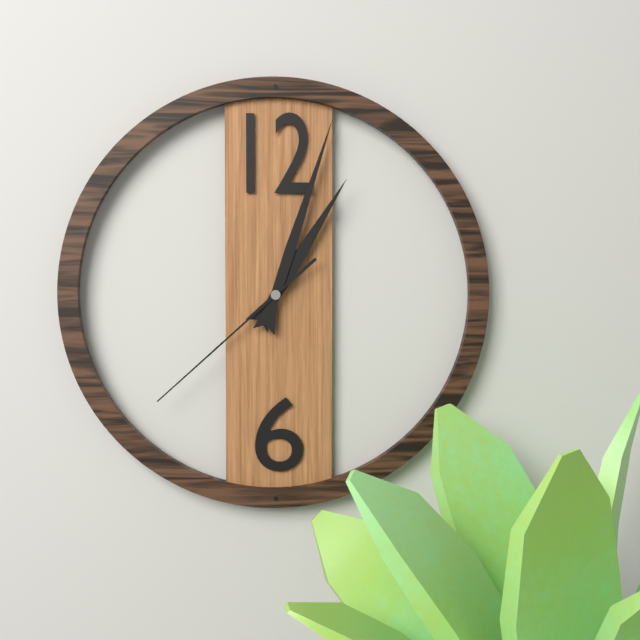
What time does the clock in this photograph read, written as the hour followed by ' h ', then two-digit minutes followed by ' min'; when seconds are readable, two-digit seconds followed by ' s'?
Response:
1 h 03 min 38 s
